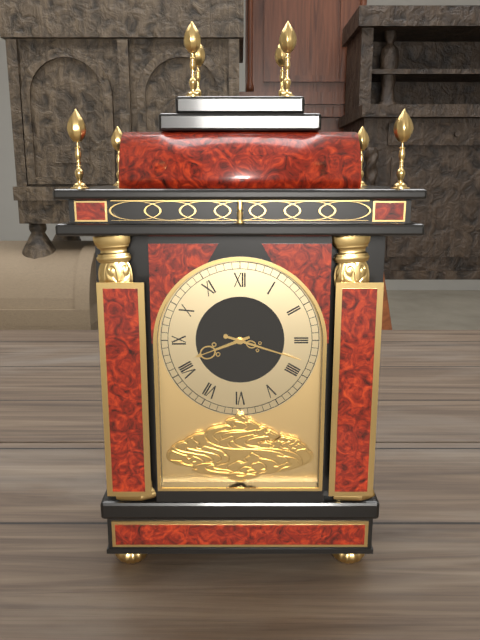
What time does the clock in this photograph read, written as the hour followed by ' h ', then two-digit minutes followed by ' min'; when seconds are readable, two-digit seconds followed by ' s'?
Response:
8 h 18 min
